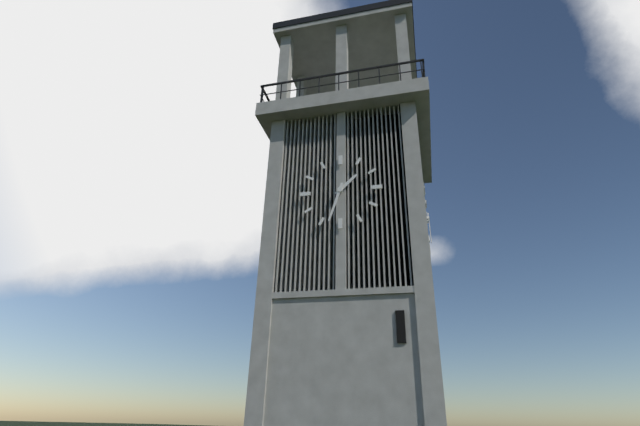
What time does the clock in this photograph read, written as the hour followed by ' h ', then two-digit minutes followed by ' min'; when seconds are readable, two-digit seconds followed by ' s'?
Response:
1 h 33 min
